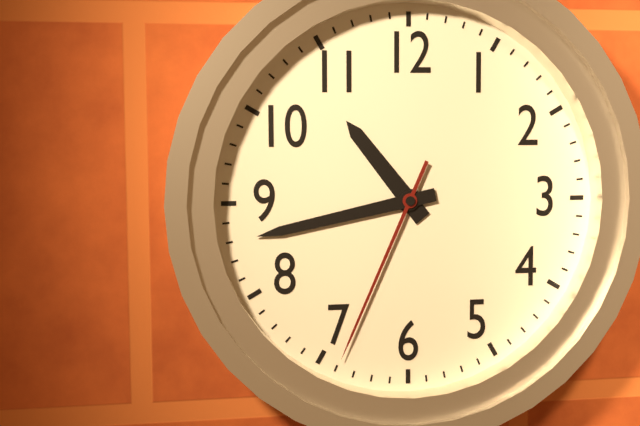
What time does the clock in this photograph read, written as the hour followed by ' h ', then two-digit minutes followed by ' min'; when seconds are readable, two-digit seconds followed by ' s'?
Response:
10 h 43 min 34 s
